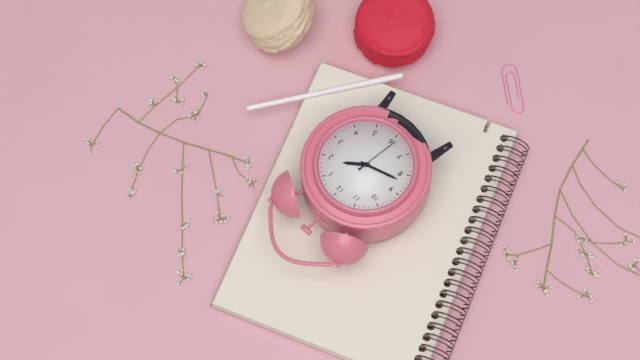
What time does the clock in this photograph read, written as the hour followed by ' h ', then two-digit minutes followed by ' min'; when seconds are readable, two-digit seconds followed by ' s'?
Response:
1 h 42 min
